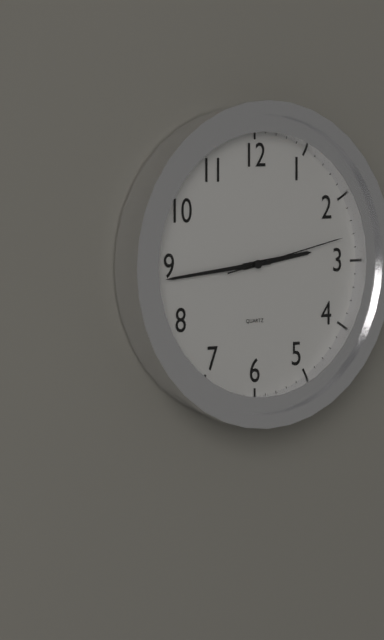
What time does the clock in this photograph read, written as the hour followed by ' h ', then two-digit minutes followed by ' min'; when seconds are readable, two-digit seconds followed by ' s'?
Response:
2 h 44 min 13 s
